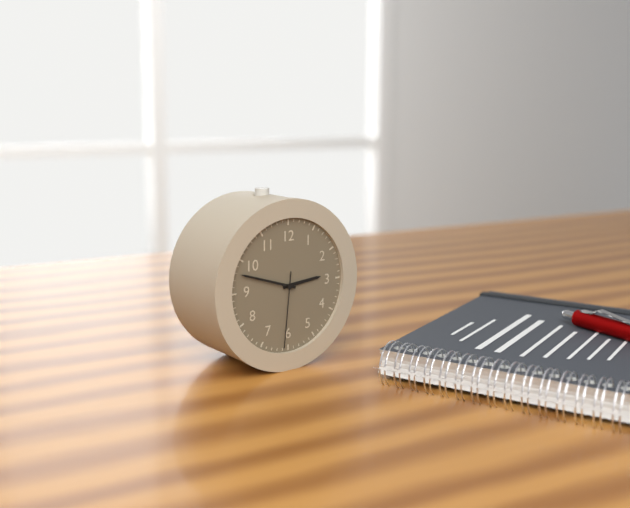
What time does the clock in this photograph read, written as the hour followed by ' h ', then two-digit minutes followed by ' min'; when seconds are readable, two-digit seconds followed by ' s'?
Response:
2 h 48 min 31 s
